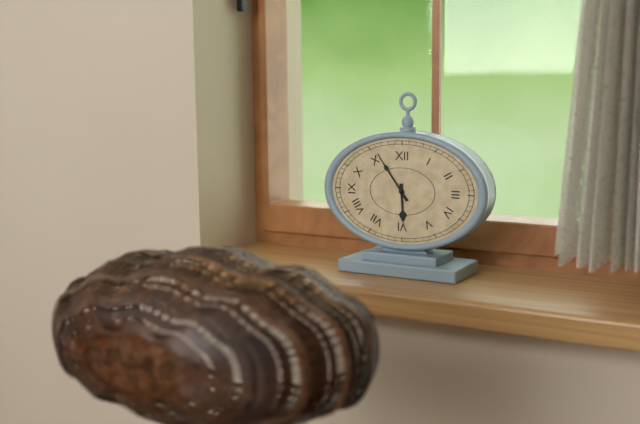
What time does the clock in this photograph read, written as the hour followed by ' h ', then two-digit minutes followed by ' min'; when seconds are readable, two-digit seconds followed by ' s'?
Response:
5 h 54 min
